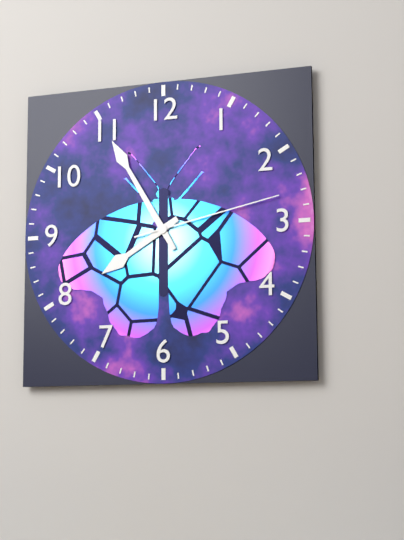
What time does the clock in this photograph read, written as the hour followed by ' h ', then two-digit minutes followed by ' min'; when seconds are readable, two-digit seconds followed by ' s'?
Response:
7 h 55 min 13 s
